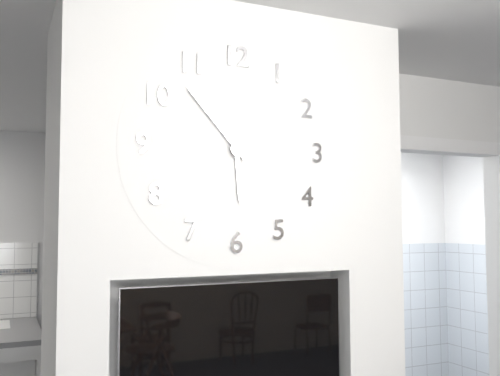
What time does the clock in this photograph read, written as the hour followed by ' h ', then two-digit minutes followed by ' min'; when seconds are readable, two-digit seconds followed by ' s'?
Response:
5 h 53 min
